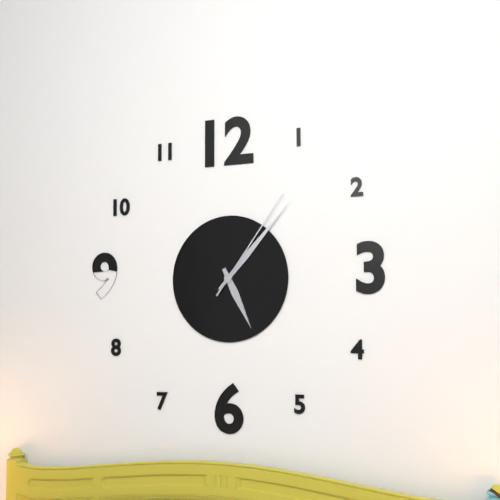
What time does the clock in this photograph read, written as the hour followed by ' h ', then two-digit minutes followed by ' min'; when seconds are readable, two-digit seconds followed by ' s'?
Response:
5 h 07 min 06 s
